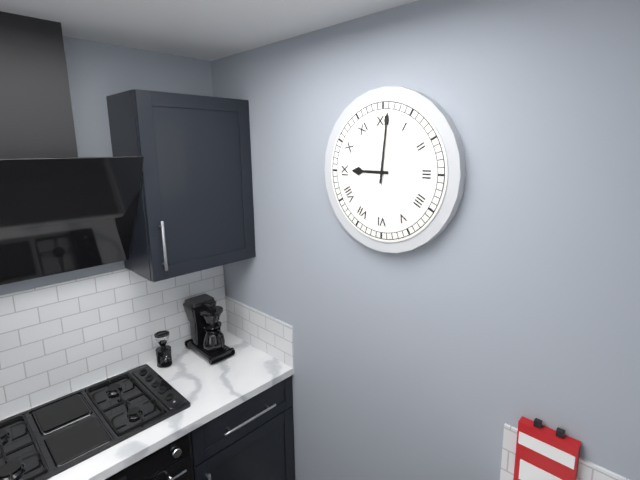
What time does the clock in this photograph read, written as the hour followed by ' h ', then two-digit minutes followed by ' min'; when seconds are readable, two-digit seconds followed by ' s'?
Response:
9 h 01 min
